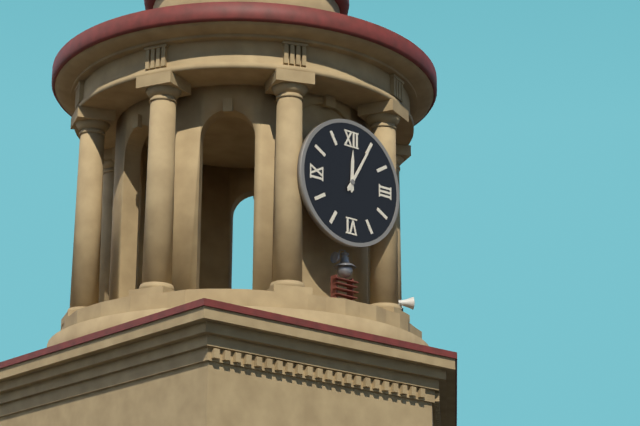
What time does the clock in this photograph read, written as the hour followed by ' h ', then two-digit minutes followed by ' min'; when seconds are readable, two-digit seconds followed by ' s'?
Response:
12 h 05 min
